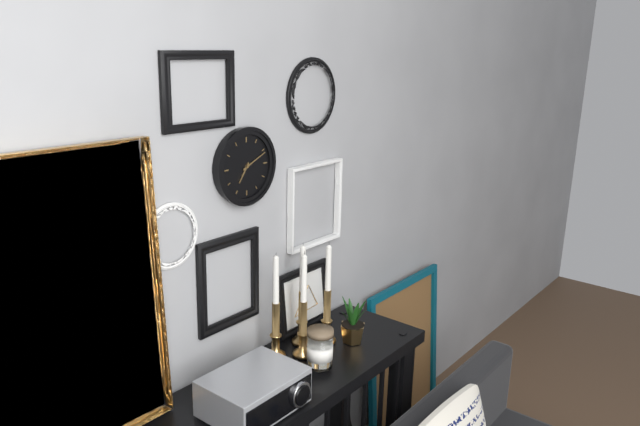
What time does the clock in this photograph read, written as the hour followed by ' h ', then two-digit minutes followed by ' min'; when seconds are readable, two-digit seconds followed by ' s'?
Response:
7 h 11 min
